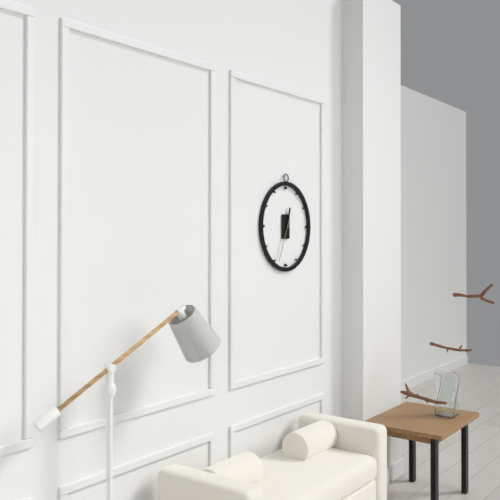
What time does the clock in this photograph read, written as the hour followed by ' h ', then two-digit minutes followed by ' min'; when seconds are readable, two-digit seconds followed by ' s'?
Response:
12 h 34 min
